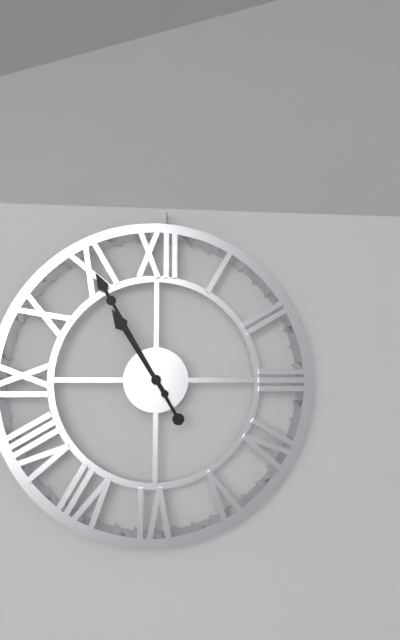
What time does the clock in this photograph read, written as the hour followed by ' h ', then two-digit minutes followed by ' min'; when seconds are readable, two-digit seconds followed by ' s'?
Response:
10 h 55 min
